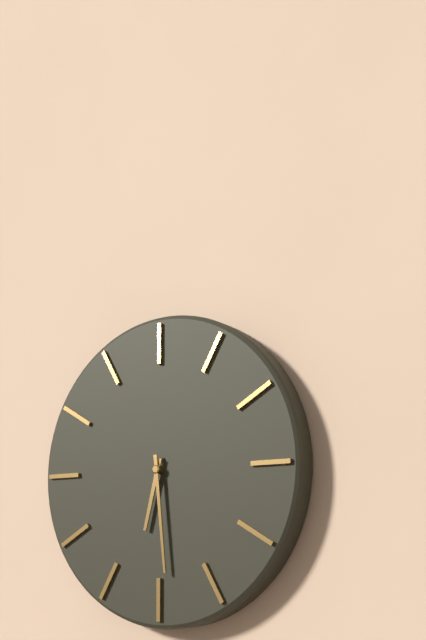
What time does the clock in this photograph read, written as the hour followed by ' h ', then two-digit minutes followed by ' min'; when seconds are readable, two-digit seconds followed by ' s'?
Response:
6 h 29 min
